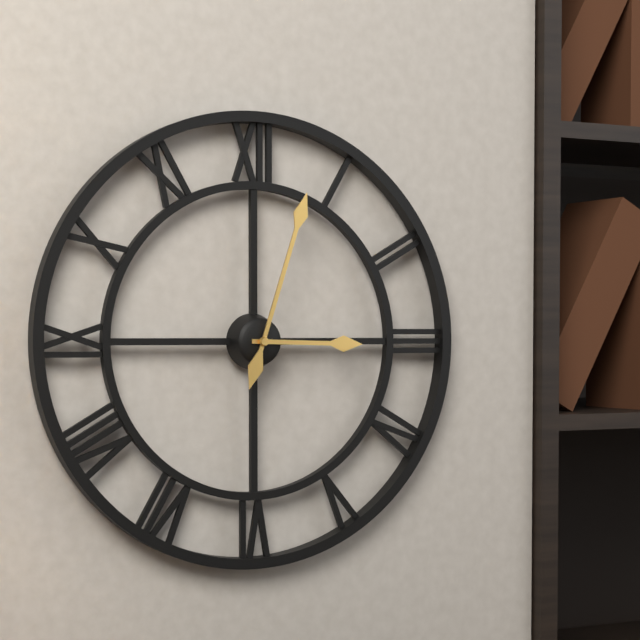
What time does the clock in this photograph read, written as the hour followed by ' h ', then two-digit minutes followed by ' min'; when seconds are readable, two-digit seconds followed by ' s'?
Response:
3 h 03 min
